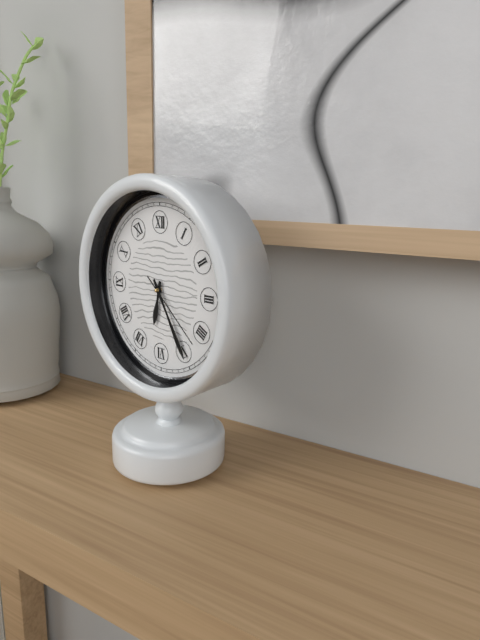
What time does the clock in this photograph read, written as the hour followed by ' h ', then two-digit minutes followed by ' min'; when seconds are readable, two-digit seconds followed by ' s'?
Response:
6 h 25 min 22 s
